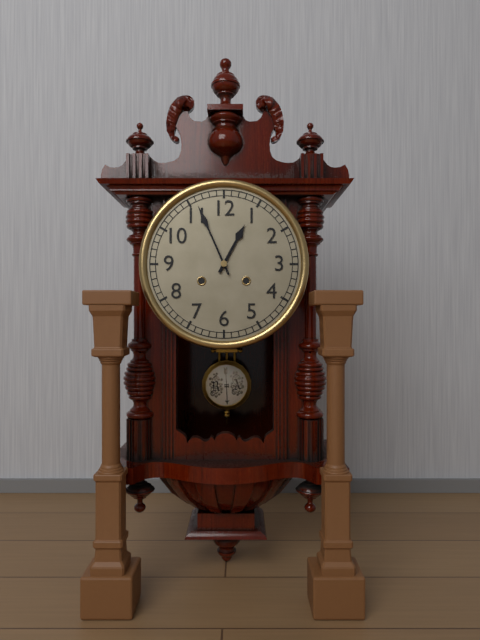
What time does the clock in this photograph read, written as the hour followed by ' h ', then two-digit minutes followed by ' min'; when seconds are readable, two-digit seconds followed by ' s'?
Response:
12 h 56 min
